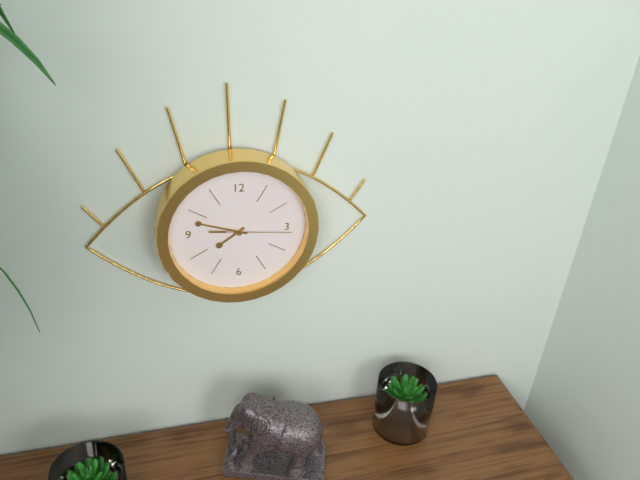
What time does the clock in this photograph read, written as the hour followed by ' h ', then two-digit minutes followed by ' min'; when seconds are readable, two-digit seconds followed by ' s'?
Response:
7 h 48 min 16 s
